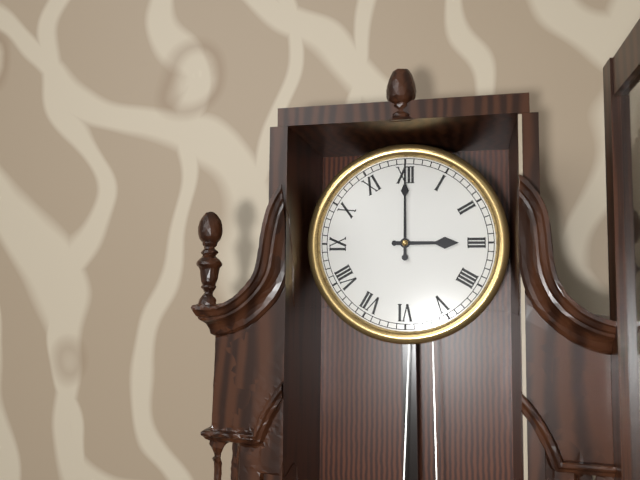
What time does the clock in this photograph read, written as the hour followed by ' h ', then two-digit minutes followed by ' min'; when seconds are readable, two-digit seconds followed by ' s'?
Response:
3 h 00 min
